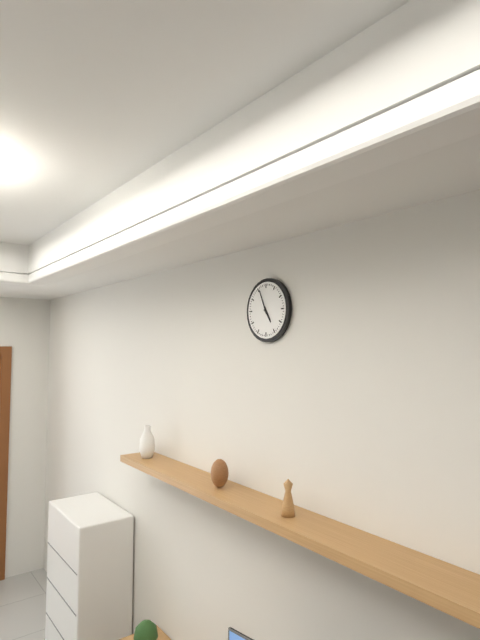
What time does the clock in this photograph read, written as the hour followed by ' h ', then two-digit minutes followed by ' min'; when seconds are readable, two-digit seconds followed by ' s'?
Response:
4 h 56 min
